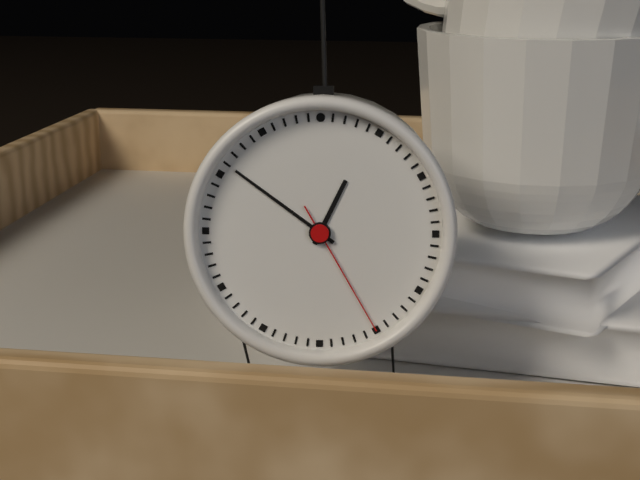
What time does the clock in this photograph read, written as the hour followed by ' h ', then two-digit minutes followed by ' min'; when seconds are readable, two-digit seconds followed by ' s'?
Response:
12 h 51 min 25 s
